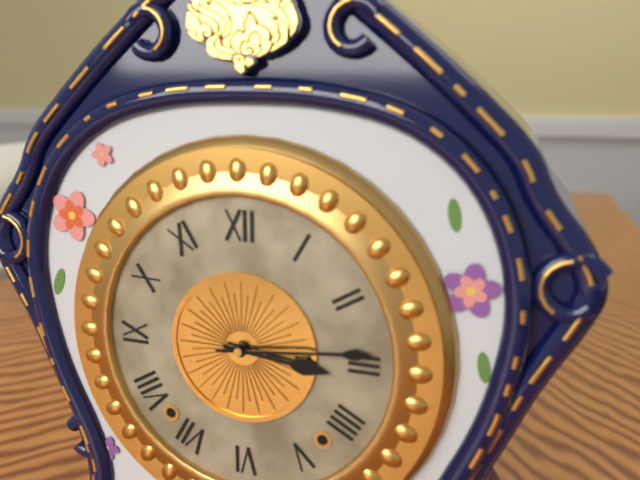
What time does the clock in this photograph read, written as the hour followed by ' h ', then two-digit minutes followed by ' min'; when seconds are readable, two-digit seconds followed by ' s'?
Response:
3 h 14 min
